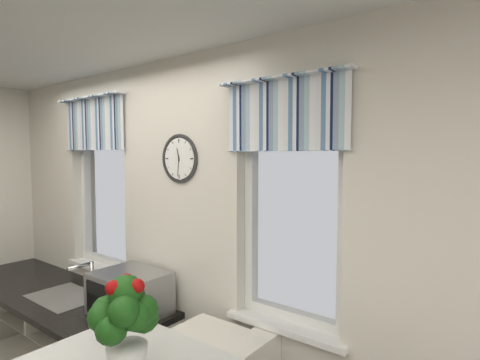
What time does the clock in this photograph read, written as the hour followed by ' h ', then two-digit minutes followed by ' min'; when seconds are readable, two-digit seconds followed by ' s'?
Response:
11 h 31 min
